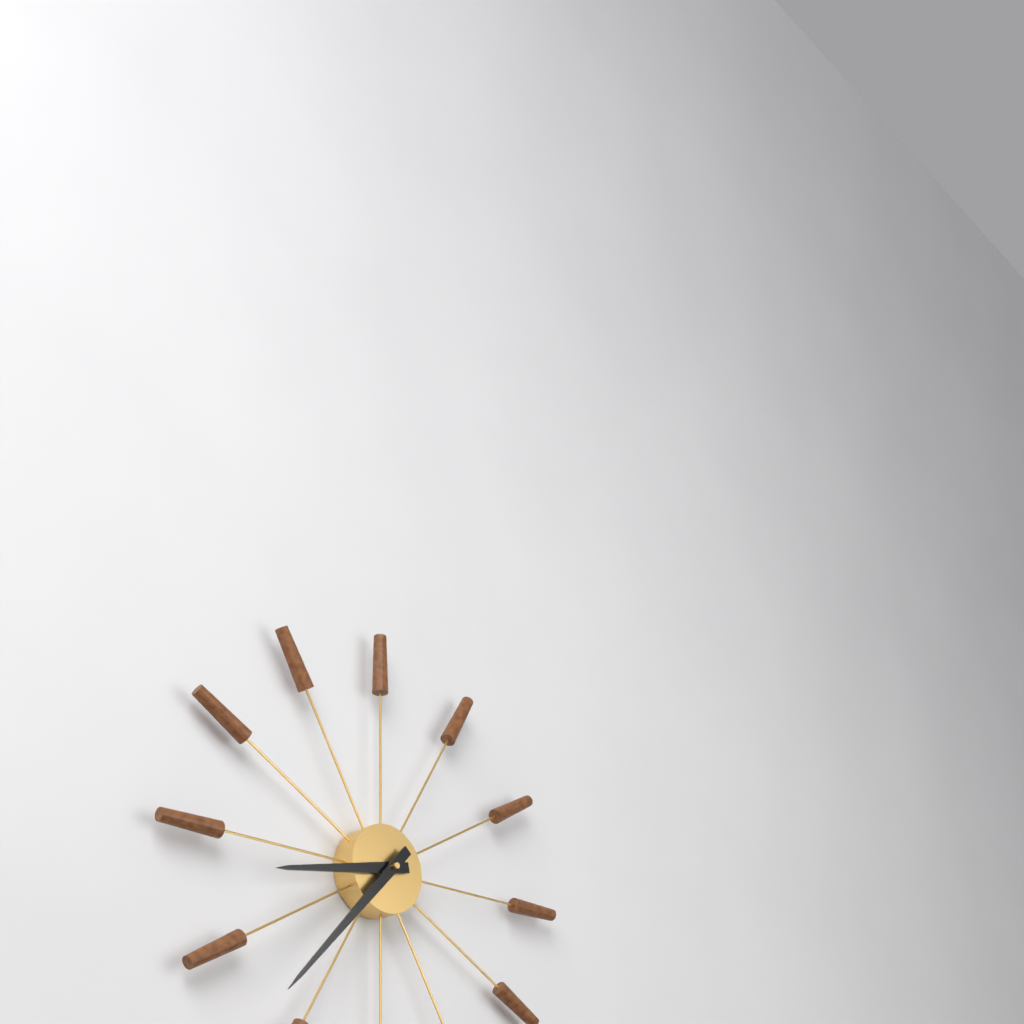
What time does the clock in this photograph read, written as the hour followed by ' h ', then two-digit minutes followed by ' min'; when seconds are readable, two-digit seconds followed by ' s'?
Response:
8 h 37 min
